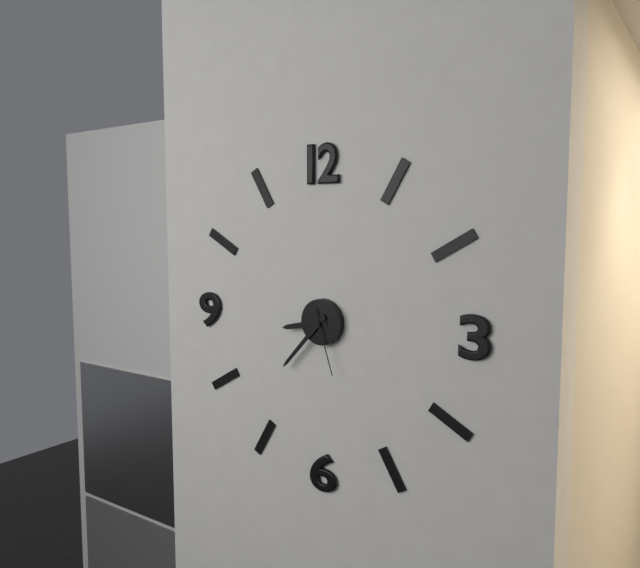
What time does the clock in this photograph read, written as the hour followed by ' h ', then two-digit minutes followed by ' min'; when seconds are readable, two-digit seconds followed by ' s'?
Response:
8 h 37 min 27 s
